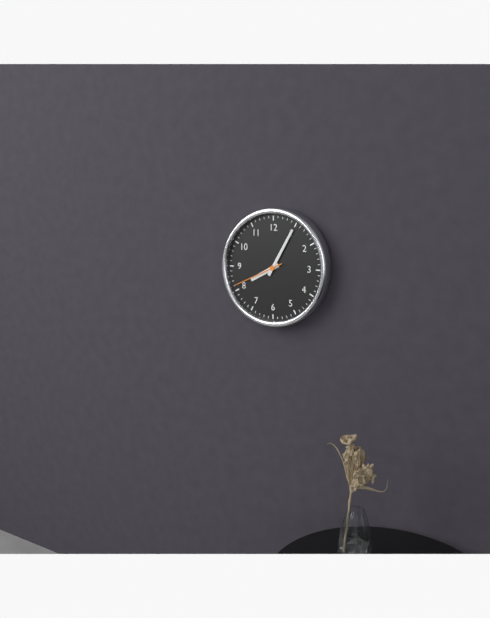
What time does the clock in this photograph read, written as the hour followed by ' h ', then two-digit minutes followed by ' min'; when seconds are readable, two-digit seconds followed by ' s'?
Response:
8 h 05 min 41 s
